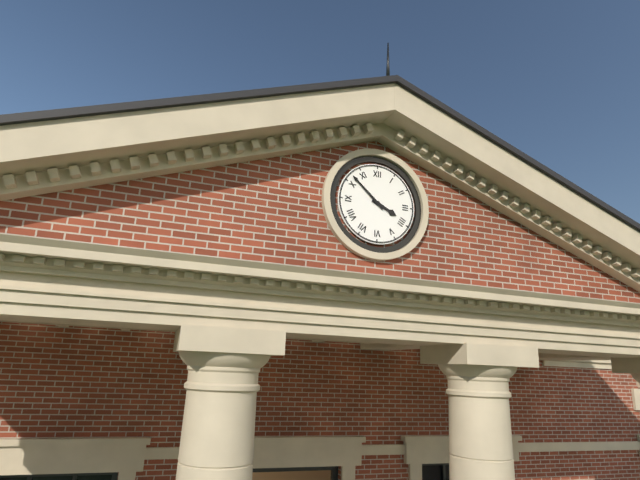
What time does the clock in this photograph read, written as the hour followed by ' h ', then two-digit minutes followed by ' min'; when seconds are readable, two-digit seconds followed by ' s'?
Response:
3 h 52 min
